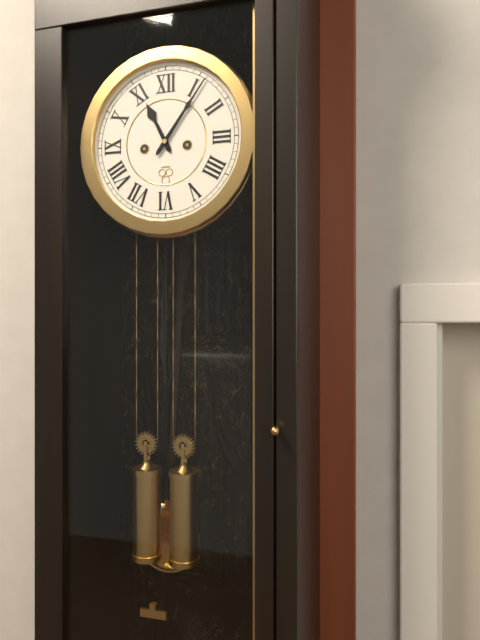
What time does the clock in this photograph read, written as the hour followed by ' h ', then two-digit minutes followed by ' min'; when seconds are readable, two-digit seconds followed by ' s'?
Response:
11 h 06 min
